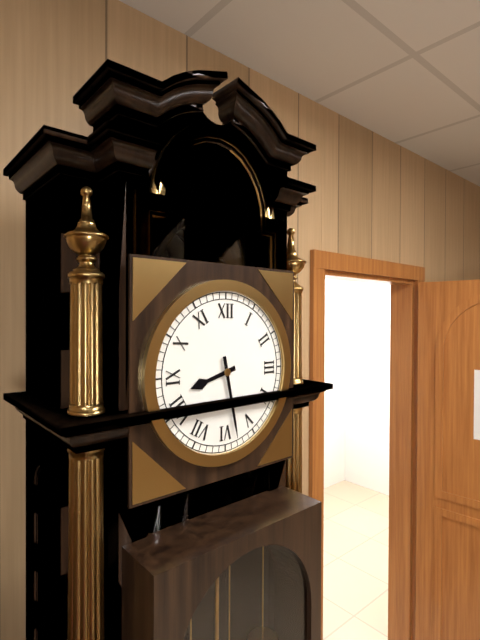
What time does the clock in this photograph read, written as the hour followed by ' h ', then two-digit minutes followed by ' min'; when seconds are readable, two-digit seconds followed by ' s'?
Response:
8 h 28 min
